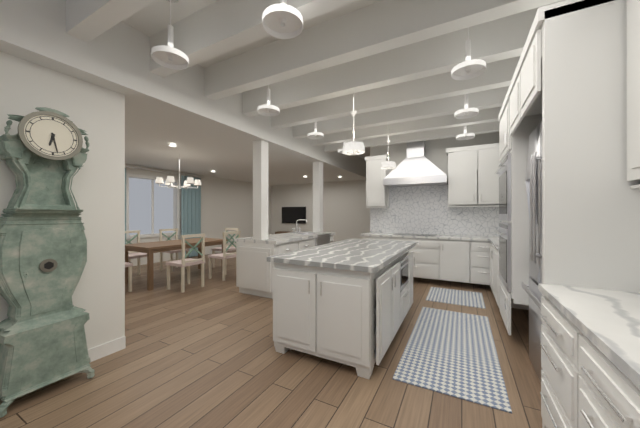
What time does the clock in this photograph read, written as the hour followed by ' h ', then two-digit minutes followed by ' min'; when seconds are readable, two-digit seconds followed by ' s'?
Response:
6 h 28 min
